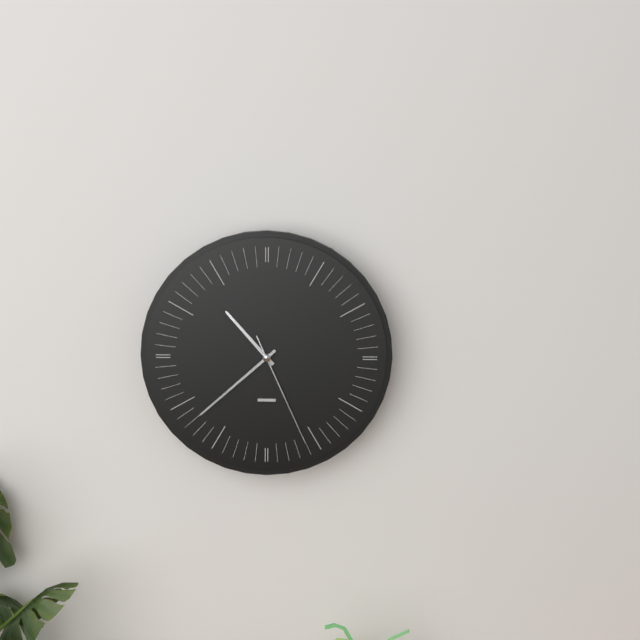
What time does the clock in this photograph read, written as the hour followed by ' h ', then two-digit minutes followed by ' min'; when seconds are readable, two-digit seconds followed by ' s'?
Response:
10 h 38 min 26 s
